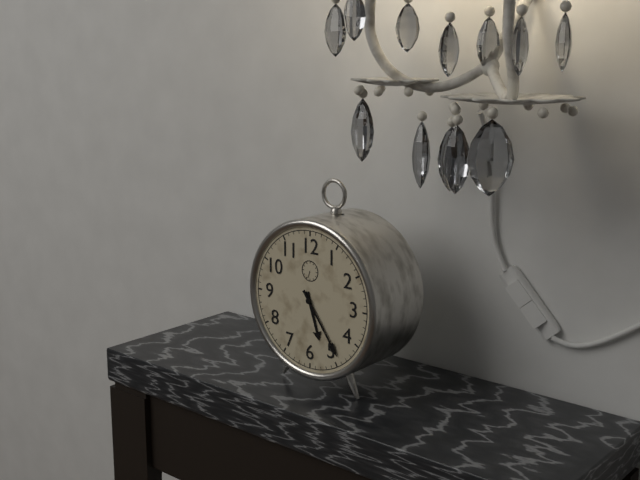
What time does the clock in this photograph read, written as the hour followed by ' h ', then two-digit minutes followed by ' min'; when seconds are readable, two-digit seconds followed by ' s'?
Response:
5 h 24 min
